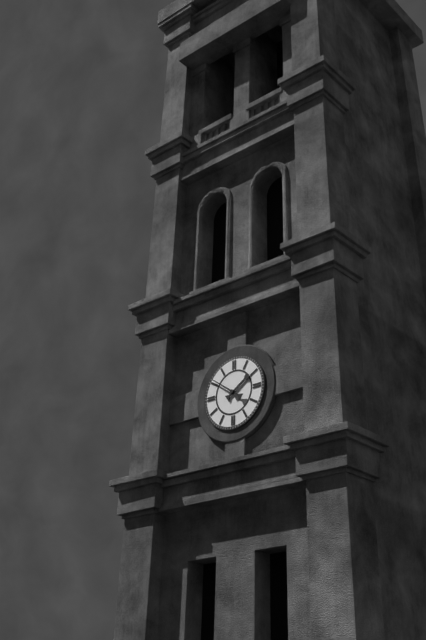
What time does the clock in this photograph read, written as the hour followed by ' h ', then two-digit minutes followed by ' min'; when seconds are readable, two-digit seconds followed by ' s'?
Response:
1 h 51 min
